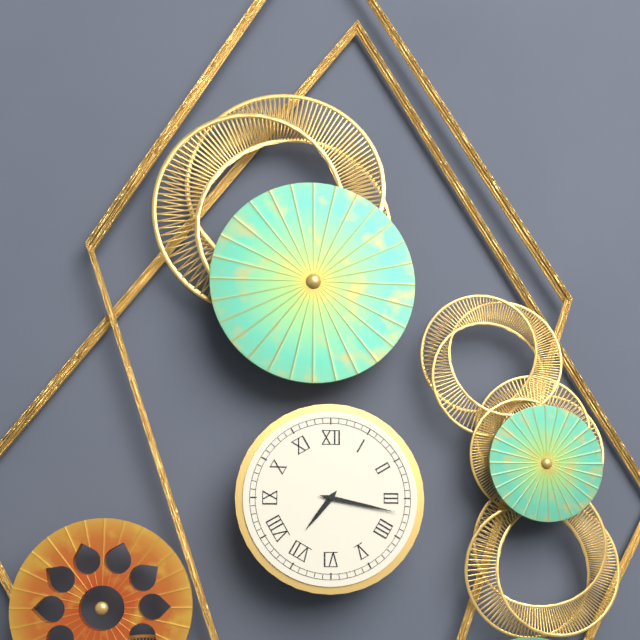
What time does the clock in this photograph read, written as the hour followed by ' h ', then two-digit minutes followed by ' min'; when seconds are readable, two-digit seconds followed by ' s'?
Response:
7 h 17 min
